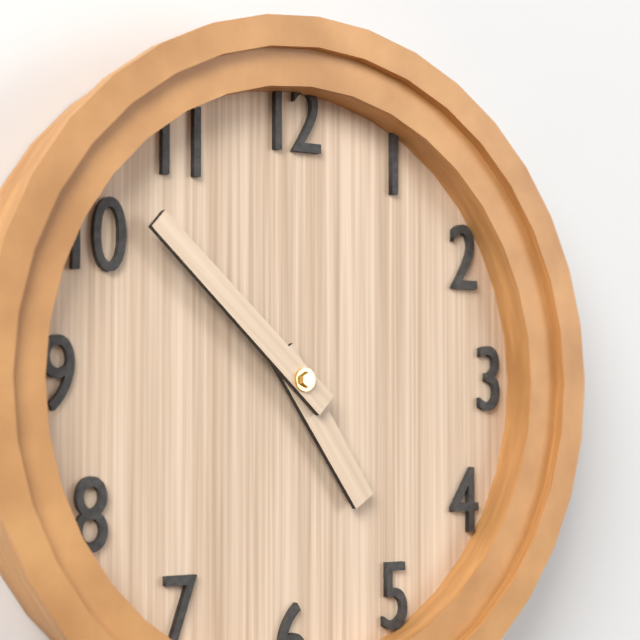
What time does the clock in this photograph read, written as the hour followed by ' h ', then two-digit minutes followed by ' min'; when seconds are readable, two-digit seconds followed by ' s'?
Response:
4 h 52 min
